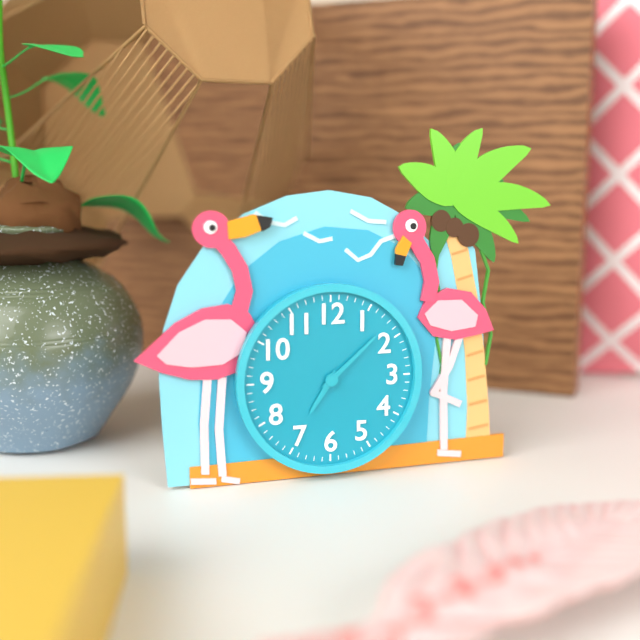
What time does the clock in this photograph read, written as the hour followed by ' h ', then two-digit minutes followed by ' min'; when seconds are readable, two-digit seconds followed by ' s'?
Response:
7 h 08 min
